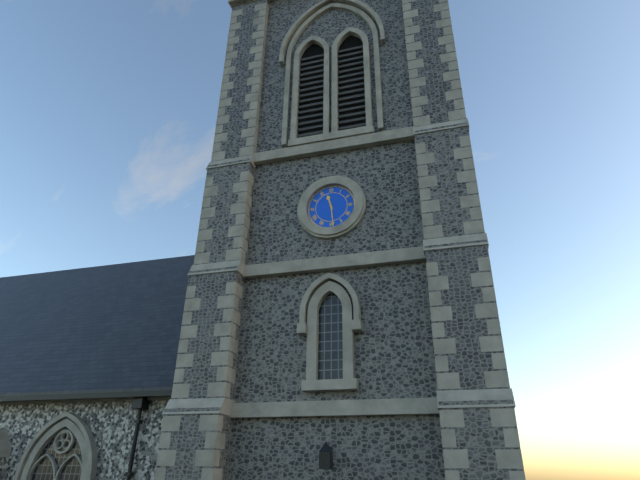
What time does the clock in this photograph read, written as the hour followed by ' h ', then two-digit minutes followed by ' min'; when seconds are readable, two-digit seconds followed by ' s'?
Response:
11 h 29 min
